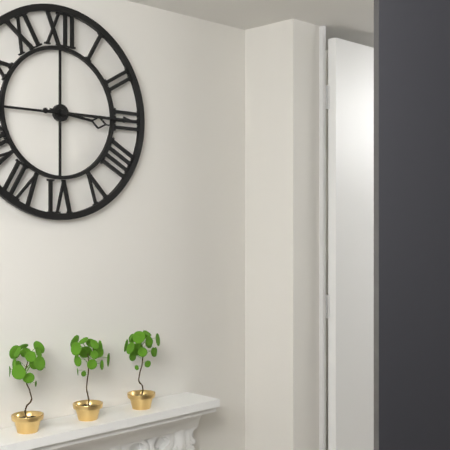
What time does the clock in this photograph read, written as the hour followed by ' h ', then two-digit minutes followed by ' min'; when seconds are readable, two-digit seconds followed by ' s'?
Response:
3 h 15 min
